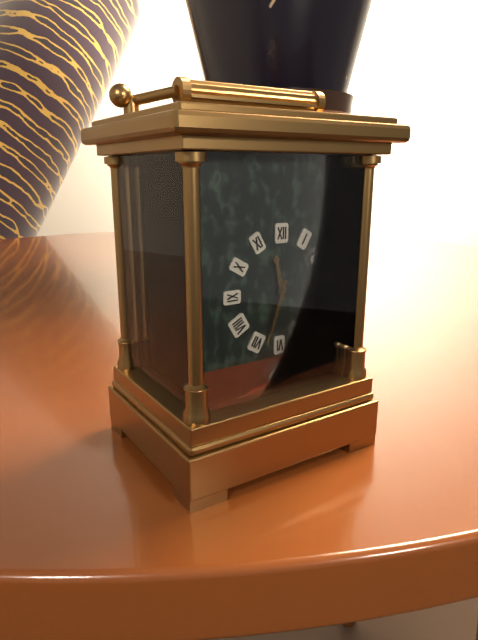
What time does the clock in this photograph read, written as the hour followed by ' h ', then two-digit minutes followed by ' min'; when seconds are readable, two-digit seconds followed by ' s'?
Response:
11 h 33 min
